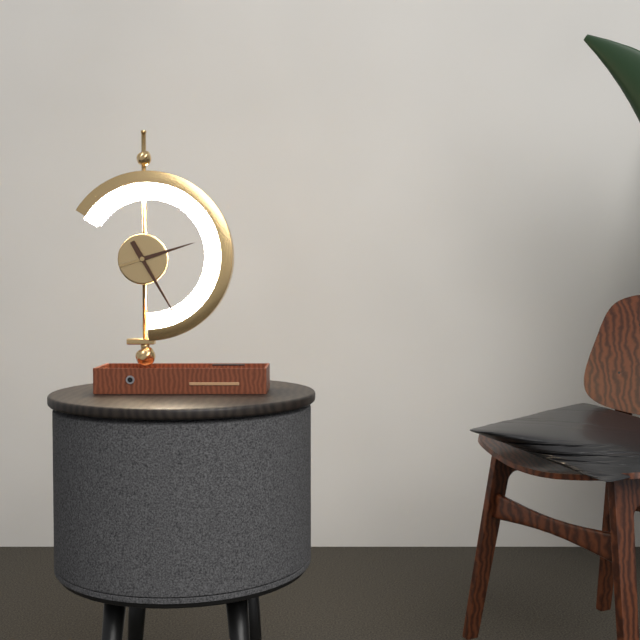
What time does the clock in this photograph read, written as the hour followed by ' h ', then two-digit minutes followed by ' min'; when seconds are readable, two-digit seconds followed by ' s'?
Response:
2 h 25 min
